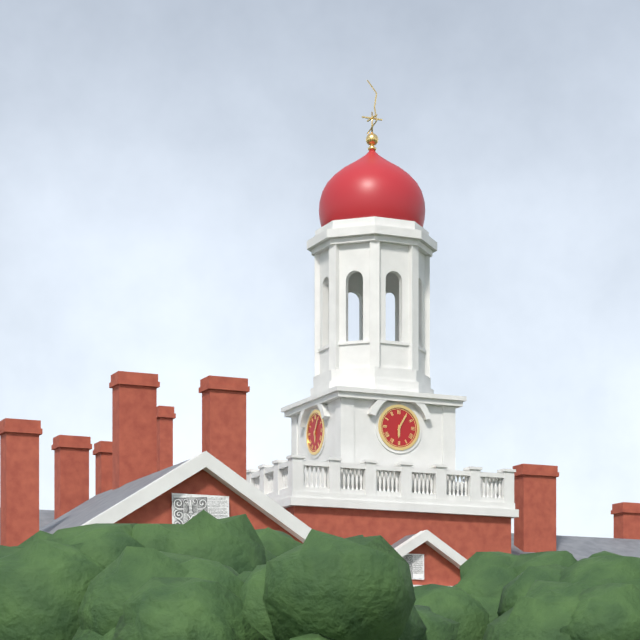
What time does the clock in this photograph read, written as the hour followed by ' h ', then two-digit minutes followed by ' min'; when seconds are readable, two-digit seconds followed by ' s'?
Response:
6 h 05 min
